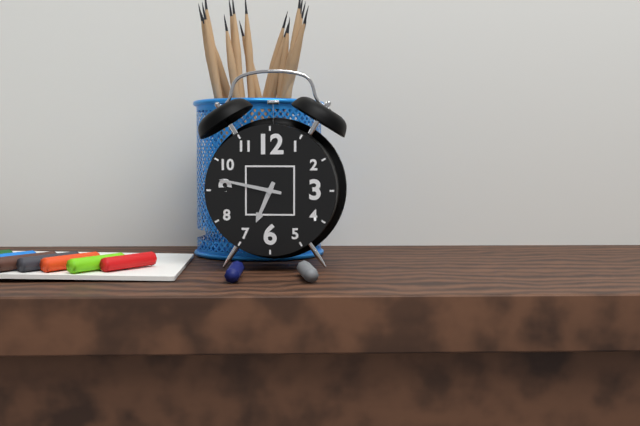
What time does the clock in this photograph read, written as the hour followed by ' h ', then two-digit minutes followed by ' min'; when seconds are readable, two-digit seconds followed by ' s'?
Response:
6 h 47 min
